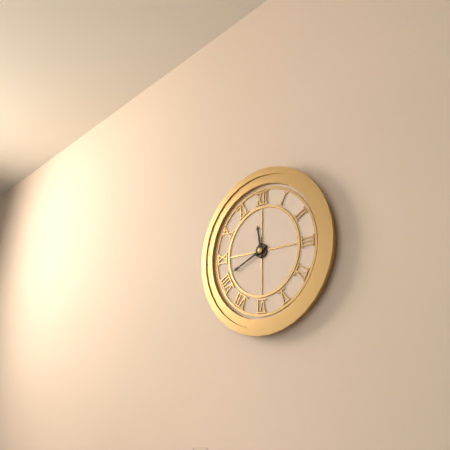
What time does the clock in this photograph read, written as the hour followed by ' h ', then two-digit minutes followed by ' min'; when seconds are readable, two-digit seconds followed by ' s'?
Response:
11 h 41 min
